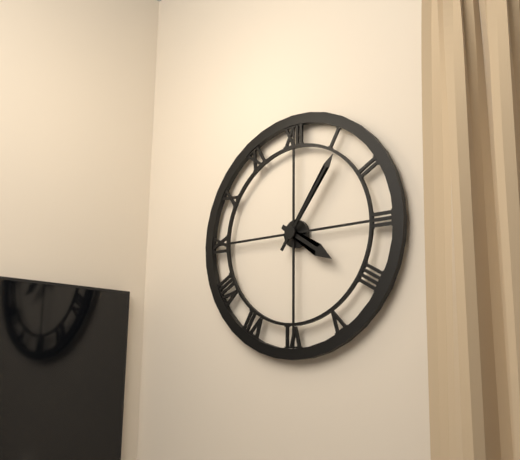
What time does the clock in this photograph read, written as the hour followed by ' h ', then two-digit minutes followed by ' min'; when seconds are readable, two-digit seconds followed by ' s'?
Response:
4 h 06 min
